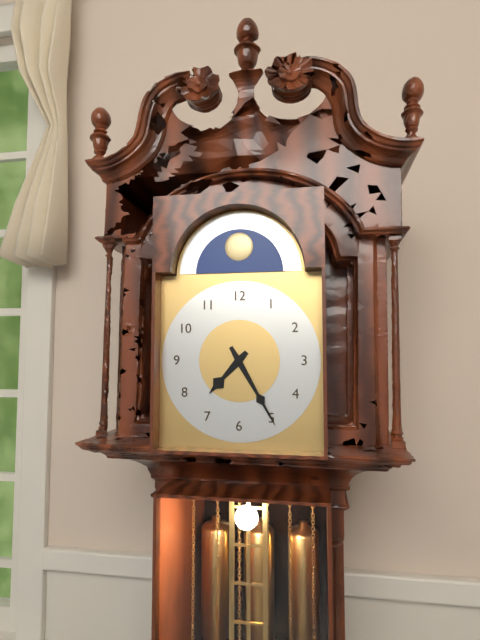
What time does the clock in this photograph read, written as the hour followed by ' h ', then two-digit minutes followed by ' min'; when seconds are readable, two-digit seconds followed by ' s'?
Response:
7 h 25 min
